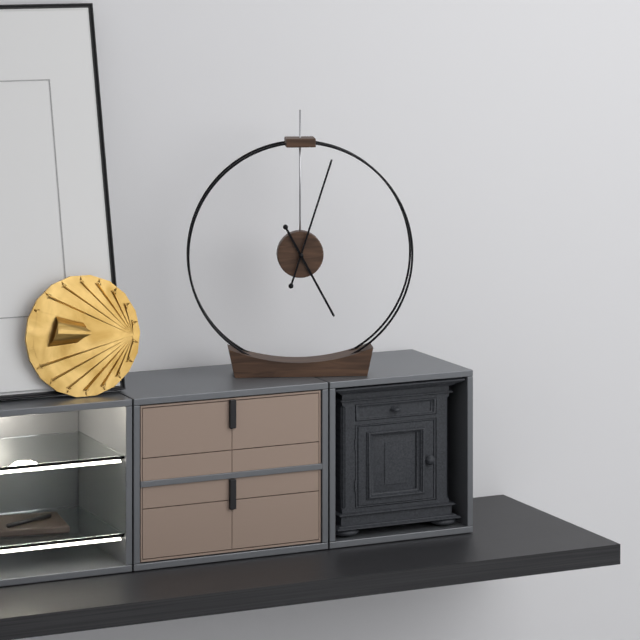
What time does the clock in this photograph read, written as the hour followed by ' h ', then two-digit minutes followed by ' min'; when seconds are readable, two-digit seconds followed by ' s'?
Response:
5 h 03 min
